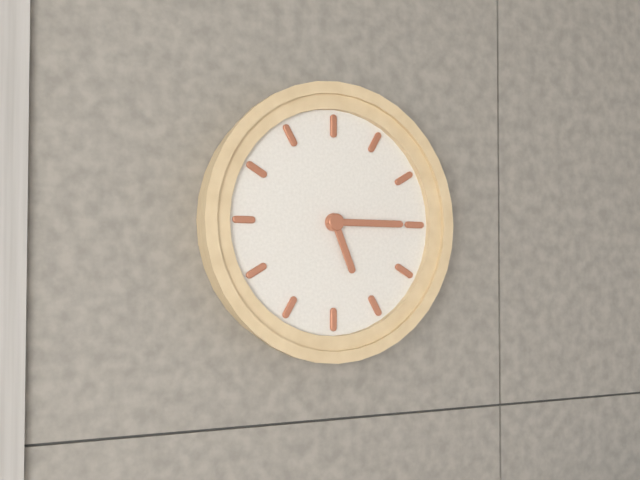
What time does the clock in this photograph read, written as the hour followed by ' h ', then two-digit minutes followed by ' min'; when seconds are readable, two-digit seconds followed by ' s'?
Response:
5 h 15 min
